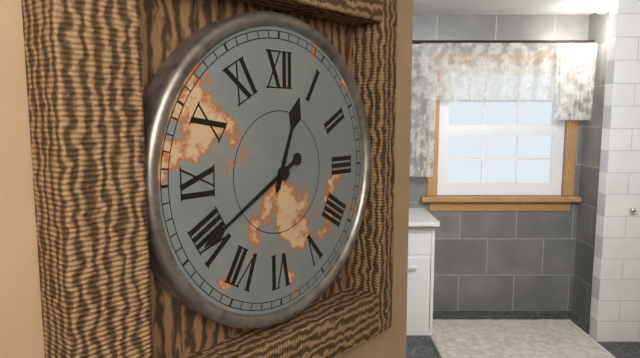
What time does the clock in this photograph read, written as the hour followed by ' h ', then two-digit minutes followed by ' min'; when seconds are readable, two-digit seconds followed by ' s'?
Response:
12 h 40 min
